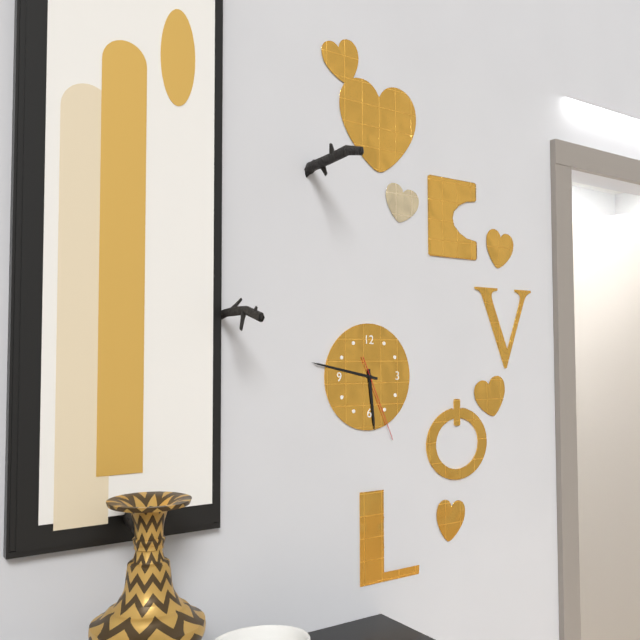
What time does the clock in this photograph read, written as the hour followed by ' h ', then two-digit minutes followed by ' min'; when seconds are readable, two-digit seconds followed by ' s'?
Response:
5 h 47 min 26 s
